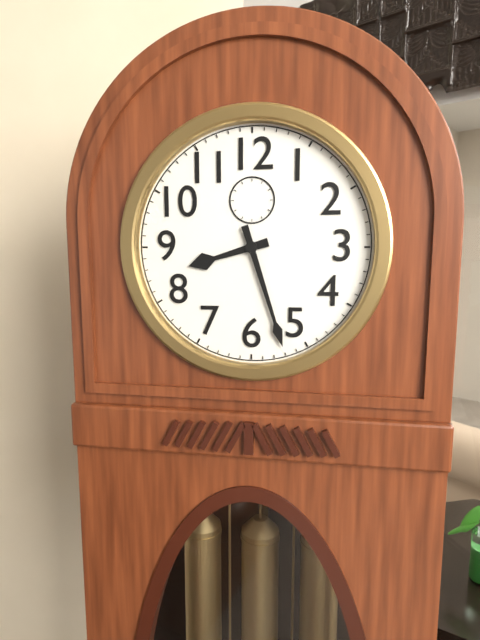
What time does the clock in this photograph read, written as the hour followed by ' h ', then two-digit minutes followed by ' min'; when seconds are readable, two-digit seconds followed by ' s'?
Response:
8 h 27 min
